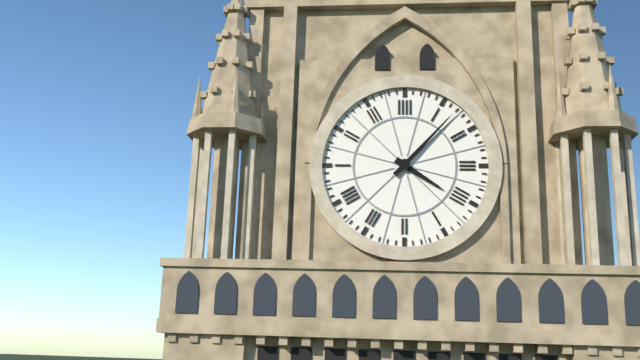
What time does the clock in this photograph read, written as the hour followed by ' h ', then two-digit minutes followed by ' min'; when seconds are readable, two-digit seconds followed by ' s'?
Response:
4 h 07 min
